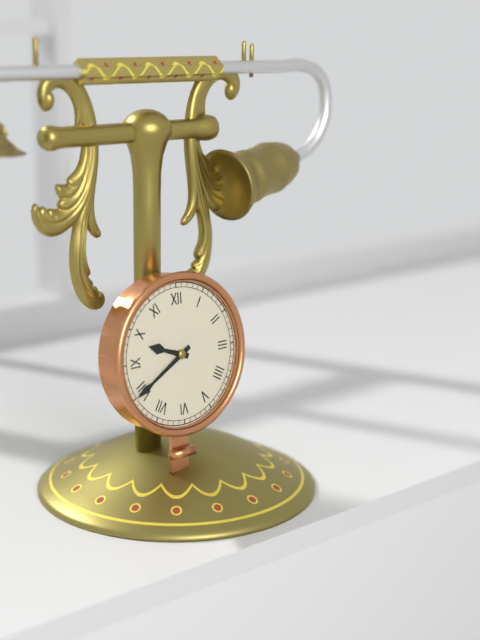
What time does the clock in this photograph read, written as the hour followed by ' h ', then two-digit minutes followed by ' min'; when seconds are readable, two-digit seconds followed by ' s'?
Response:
9 h 40 min
